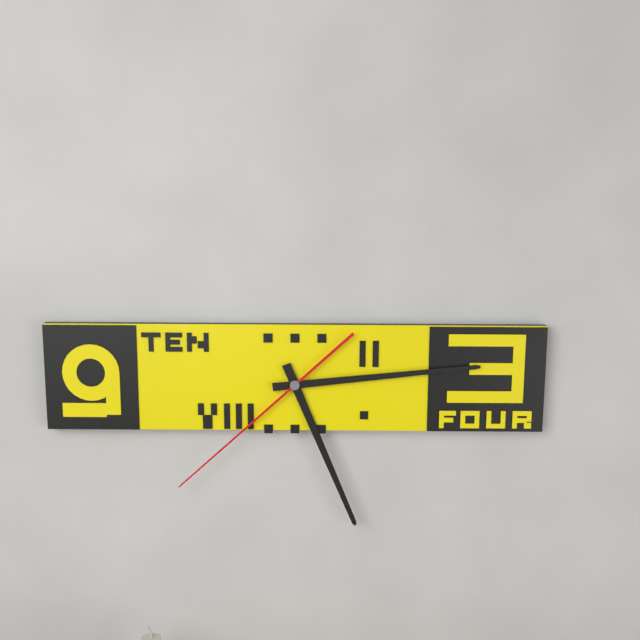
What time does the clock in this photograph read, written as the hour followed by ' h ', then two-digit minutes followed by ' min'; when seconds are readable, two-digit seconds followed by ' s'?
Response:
5 h 14 min 38 s
